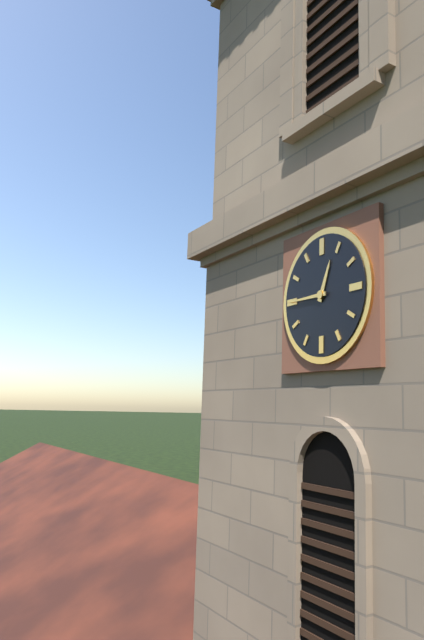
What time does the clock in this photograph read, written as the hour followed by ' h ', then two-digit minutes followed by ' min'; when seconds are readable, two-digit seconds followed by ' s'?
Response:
12 h 45 min
